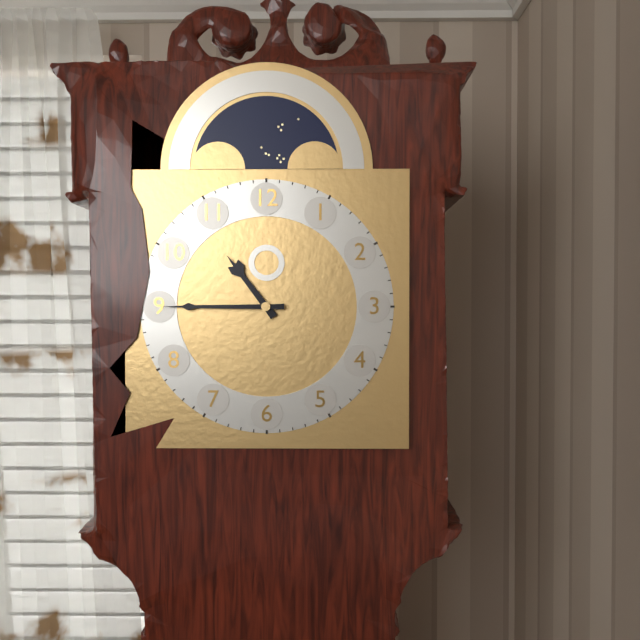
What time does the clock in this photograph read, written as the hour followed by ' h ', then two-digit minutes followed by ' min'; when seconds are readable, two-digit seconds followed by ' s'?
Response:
10 h 45 min
